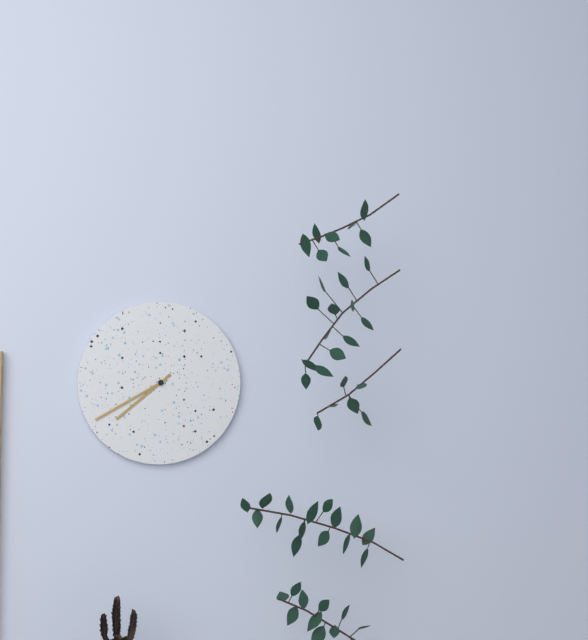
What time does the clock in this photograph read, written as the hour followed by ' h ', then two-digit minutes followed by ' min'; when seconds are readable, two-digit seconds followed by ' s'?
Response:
7 h 40 min
